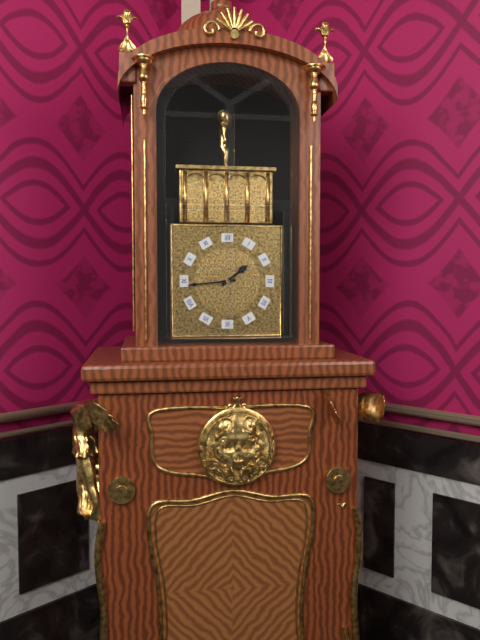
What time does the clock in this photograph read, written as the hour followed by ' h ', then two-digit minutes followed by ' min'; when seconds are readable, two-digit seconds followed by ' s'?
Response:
1 h 44 min
